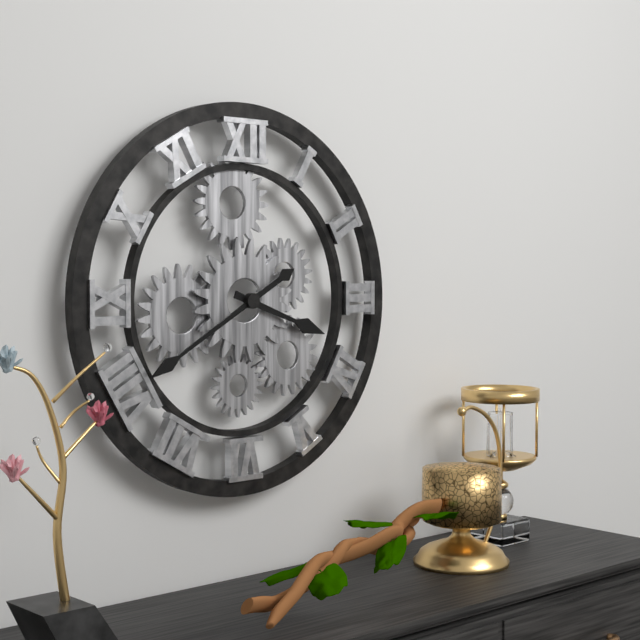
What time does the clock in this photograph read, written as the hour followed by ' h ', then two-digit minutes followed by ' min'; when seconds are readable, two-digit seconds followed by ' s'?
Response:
3 h 40 min
